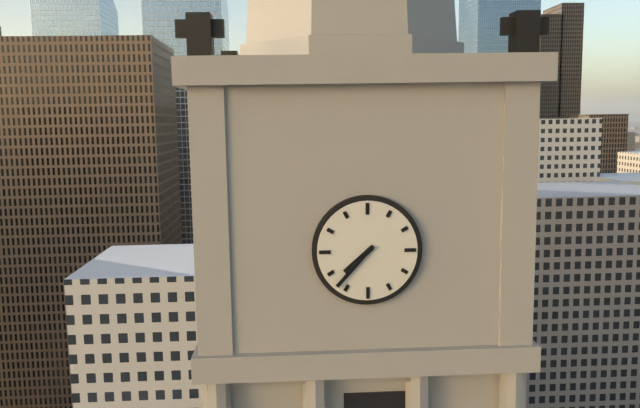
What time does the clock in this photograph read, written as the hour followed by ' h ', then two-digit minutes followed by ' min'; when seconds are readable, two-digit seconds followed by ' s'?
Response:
7 h 37 min
